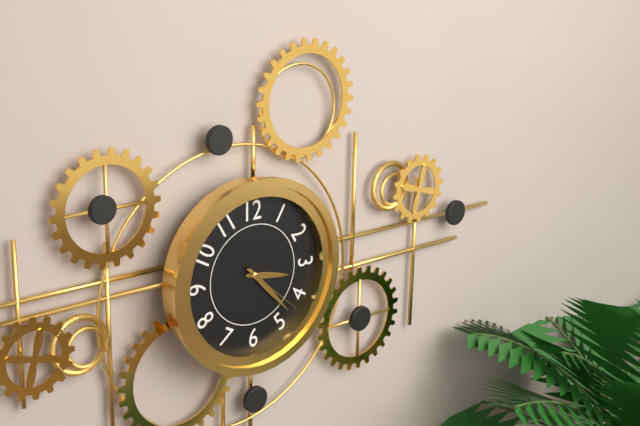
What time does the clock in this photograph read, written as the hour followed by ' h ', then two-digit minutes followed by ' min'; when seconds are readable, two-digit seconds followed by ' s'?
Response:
3 h 23 min 22 s
